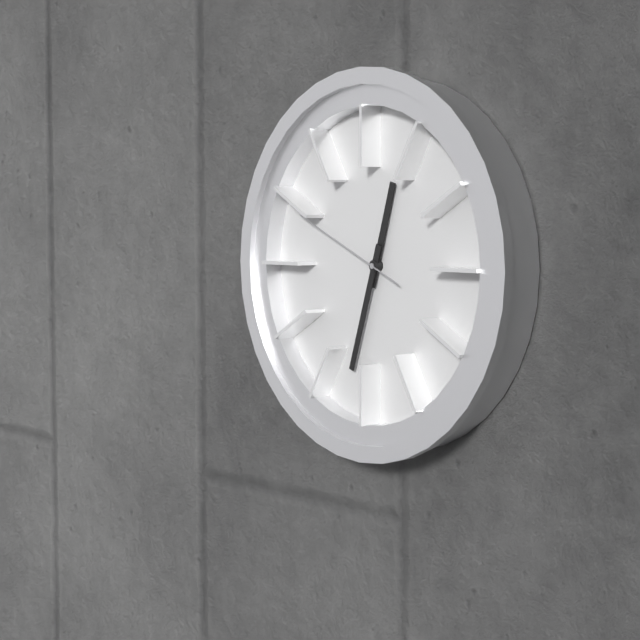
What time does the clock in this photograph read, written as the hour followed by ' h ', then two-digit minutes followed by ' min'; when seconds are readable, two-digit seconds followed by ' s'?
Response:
12 h 33 min 49 s
